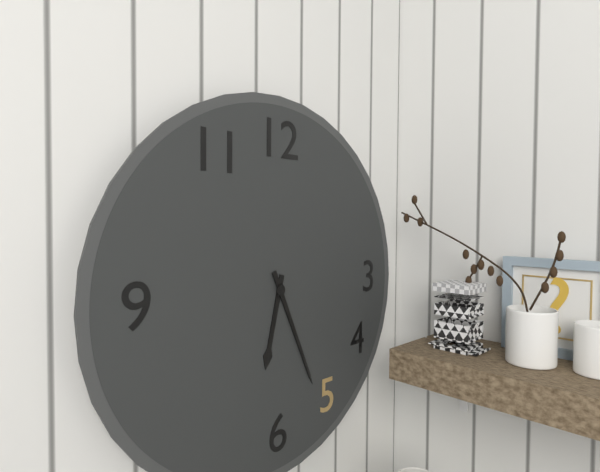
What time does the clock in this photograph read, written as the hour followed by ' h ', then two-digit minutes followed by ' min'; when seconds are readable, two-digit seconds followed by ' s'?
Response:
6 h 26 min
